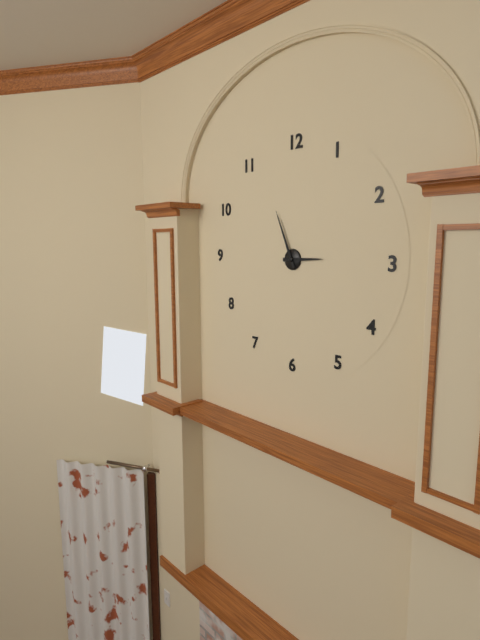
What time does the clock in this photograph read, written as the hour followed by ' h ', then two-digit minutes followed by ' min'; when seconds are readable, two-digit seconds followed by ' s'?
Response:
2 h 56 min
